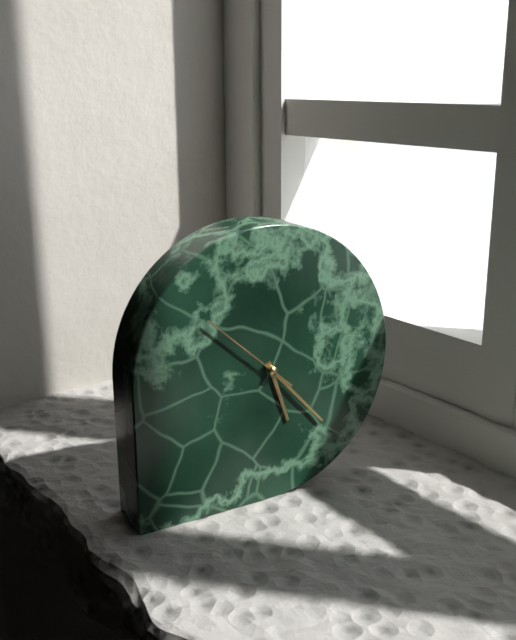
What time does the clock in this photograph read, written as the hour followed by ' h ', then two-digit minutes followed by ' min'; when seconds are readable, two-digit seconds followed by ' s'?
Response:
5 h 23 min 52 s
